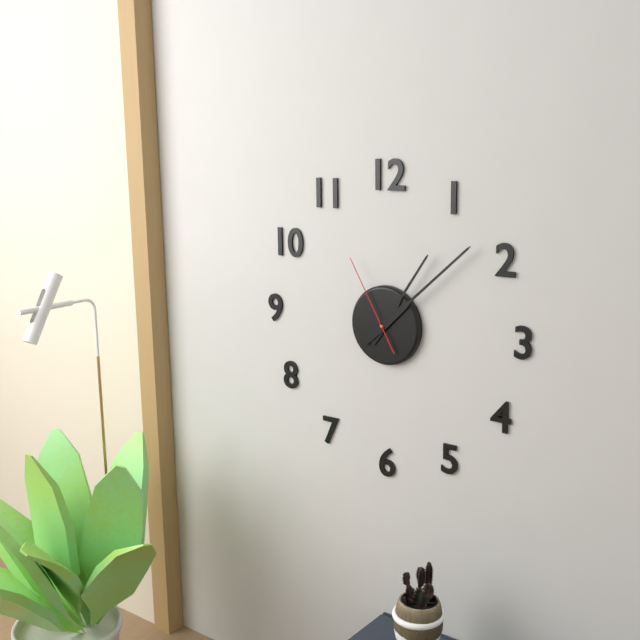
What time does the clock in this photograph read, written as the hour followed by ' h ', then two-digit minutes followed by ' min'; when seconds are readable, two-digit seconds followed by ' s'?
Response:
1 h 08 min 55 s
